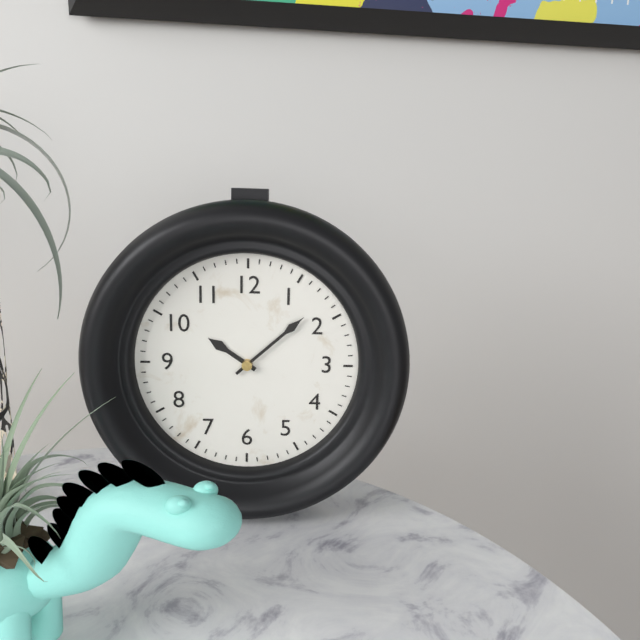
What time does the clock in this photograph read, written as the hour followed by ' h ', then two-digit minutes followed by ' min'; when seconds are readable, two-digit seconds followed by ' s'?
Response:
10 h 08 min
